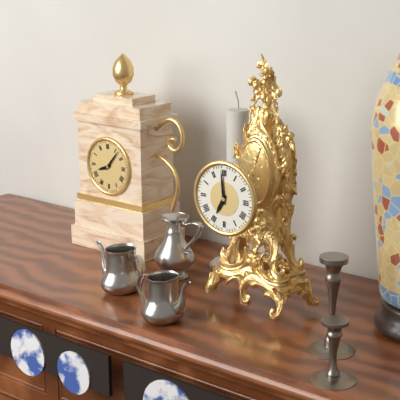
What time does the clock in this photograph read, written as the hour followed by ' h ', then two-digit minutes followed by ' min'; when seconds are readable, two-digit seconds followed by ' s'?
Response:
6 h 59 min
